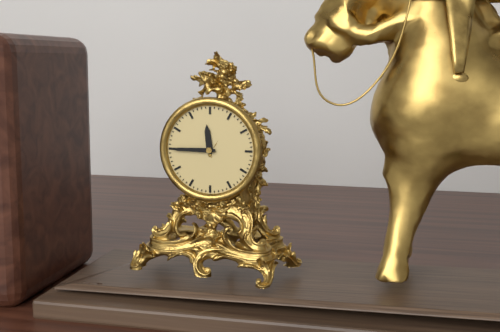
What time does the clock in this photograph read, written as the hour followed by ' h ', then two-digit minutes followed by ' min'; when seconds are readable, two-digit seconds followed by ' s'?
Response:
11 h 45 min
